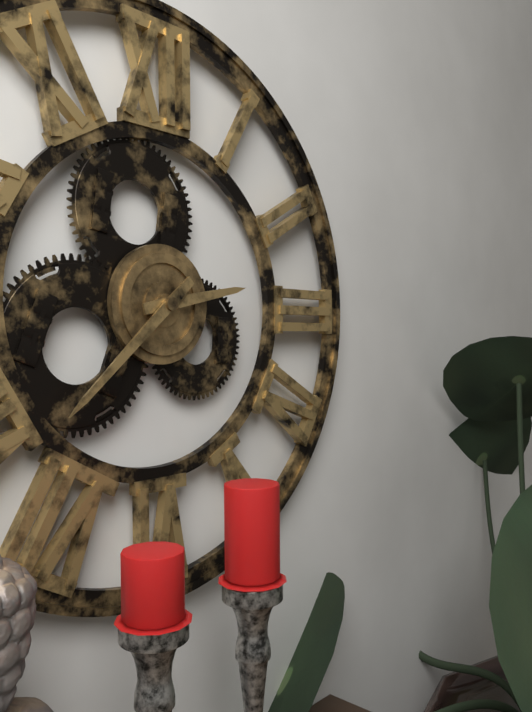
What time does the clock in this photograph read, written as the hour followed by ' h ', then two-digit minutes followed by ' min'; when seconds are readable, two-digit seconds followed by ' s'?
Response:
2 h 38 min
